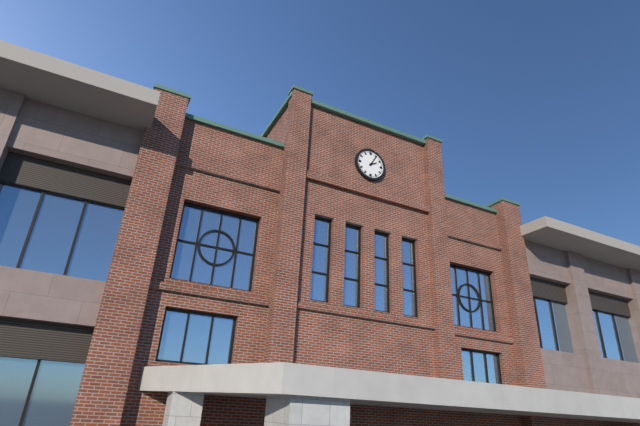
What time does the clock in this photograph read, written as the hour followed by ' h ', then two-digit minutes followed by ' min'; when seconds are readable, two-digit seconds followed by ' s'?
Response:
2 h 05 min
